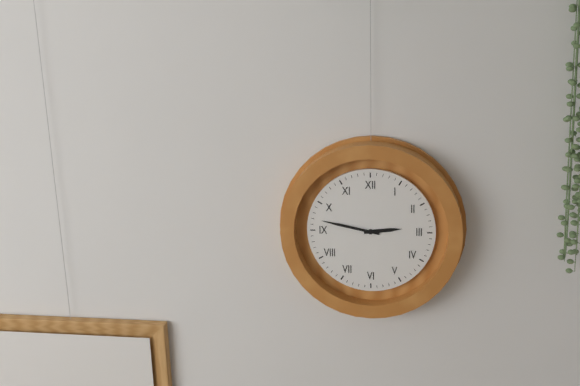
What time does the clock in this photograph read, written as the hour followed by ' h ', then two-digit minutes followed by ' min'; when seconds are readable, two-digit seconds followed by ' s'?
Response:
2 h 47 min
